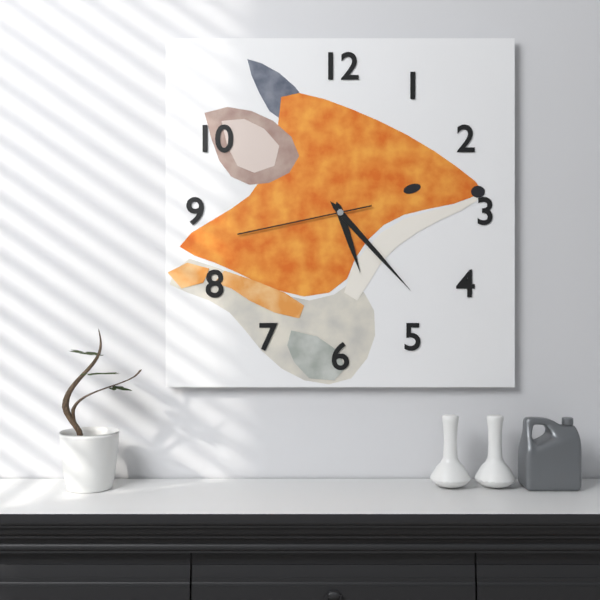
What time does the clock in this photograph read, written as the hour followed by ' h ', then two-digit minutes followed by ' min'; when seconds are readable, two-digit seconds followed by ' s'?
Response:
5 h 23 min 43 s
